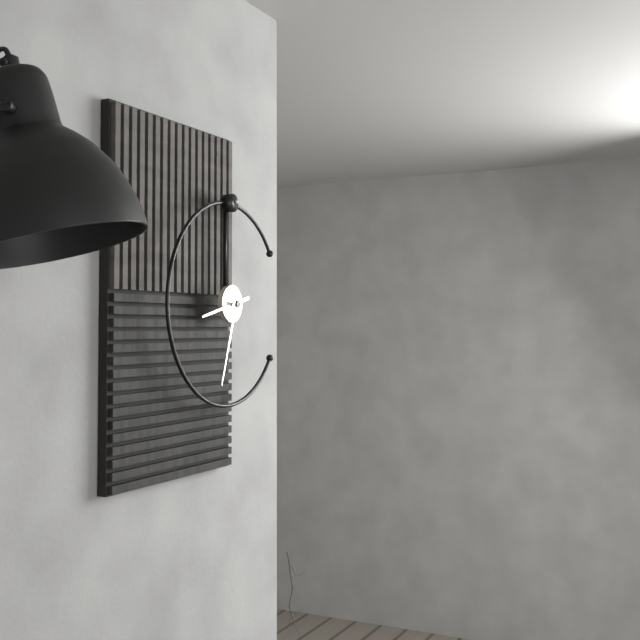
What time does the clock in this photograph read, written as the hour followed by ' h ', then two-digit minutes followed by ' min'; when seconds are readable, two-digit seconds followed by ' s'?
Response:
8 h 33 min
